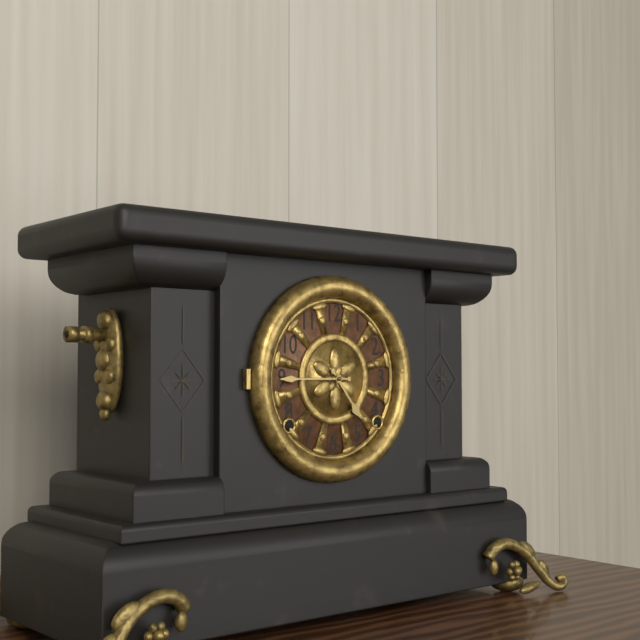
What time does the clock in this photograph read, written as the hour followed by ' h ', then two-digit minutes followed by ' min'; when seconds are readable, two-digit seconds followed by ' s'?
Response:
4 h 45 min
